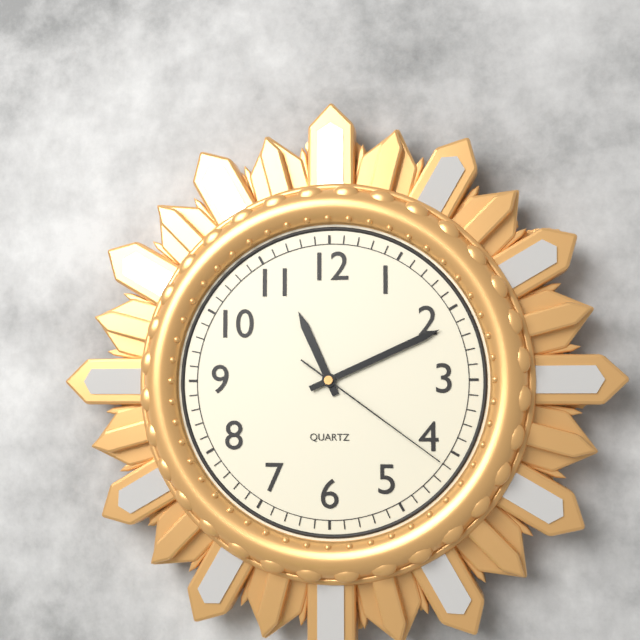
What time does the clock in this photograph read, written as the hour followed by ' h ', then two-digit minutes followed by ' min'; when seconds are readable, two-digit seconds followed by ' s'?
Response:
11 h 11 min 21 s
